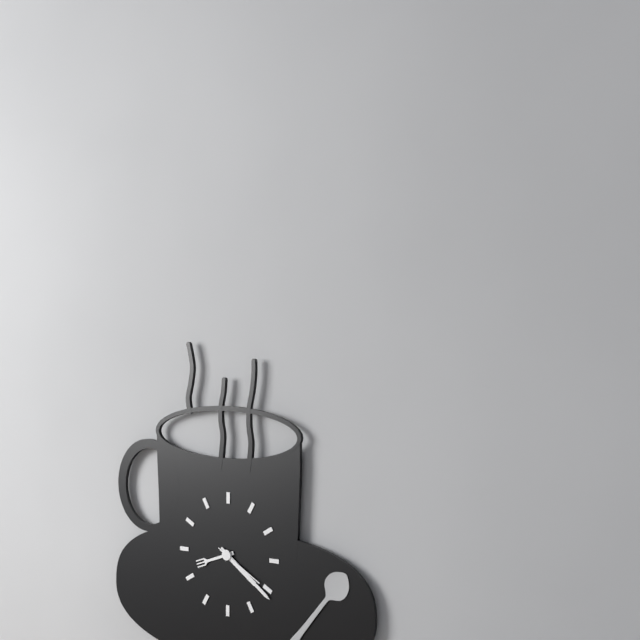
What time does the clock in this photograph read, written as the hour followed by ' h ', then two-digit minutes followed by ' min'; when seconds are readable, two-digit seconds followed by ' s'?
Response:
8 h 21 min 20 s
